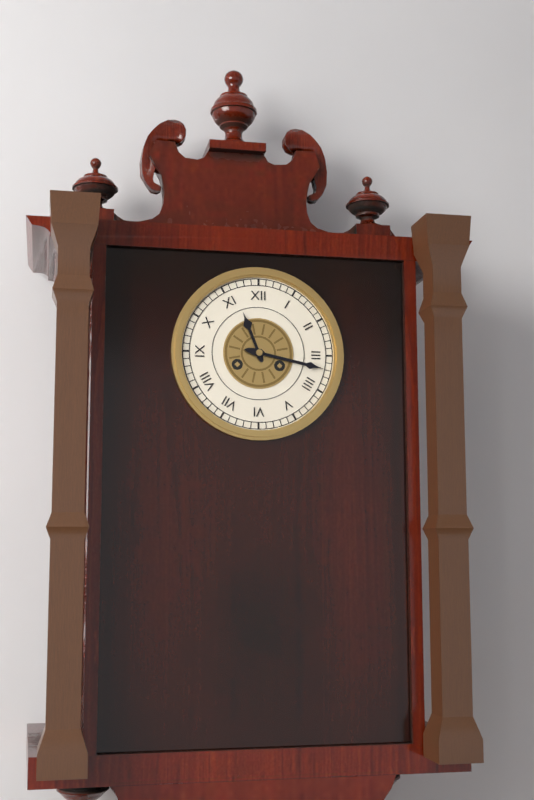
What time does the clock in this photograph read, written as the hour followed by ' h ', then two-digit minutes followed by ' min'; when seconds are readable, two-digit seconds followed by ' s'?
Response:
11 h 17 min
